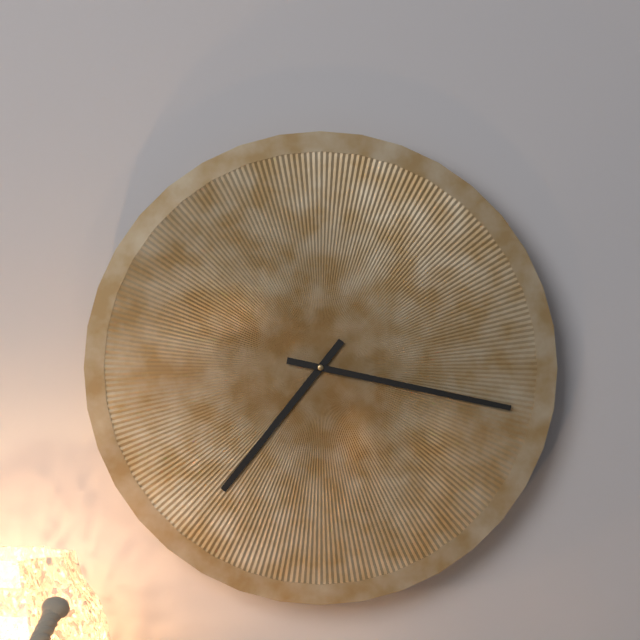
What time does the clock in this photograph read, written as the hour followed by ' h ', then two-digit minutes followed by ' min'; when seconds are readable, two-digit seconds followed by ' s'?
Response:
7 h 17 min
